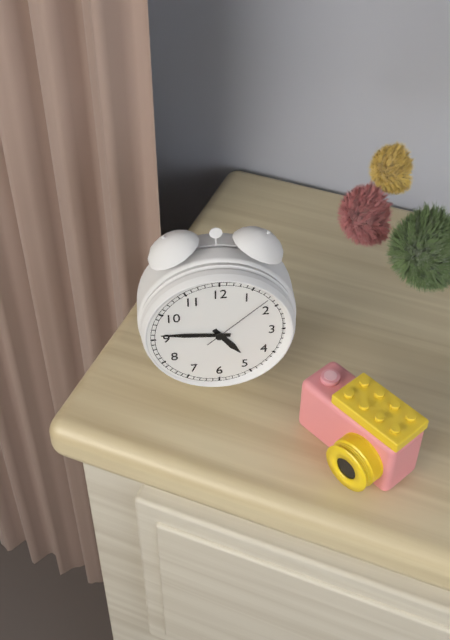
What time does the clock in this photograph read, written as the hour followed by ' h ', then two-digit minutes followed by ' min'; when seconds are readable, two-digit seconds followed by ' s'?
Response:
4 h 46 min 08 s
